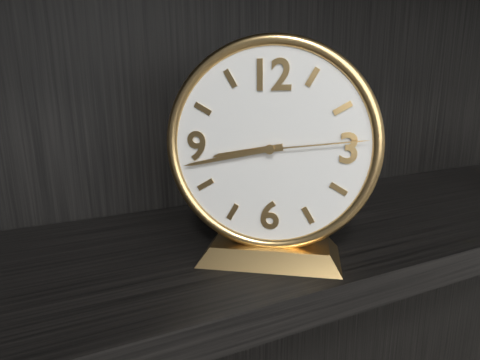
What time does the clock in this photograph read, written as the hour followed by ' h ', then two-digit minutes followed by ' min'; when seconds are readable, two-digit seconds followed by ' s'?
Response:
8 h 43 min 14 s
